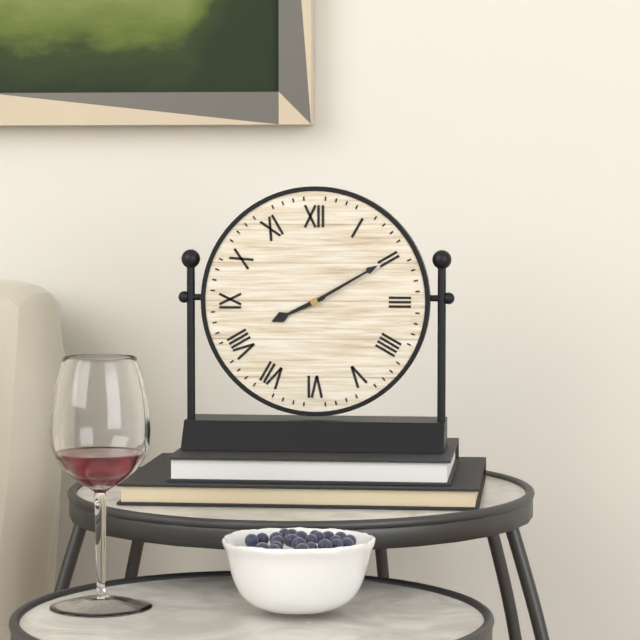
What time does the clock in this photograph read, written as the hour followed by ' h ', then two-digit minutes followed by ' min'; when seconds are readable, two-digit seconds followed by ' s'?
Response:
8 h 10 min
